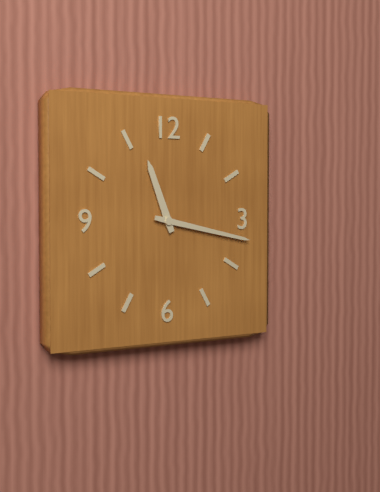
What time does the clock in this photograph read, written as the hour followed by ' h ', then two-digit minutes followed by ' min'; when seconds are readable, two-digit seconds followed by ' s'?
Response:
11 h 17 min
